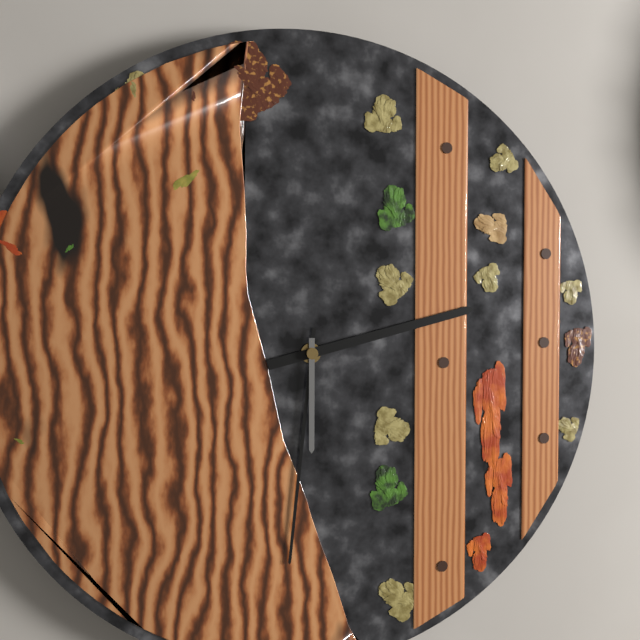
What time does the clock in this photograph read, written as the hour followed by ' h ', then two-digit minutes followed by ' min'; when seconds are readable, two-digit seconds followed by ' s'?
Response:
2 h 31 min 30 s
